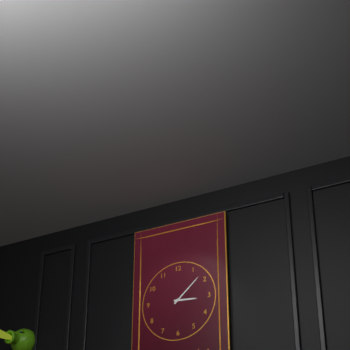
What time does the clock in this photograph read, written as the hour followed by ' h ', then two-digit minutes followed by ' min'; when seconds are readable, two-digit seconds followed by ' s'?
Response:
3 h 08 min
